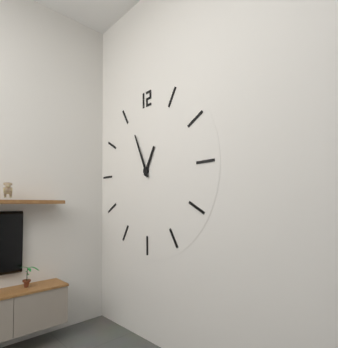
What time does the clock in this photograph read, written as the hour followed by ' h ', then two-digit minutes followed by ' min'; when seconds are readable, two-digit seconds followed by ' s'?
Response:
12 h 56 min
